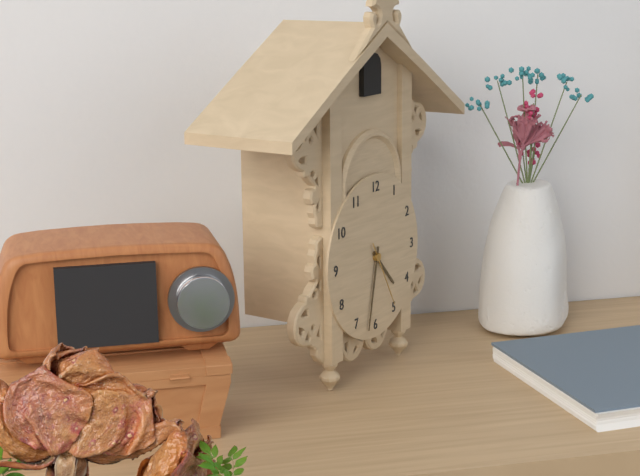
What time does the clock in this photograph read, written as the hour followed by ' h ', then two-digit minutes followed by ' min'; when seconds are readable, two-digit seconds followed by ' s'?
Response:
4 h 32 min 25 s
